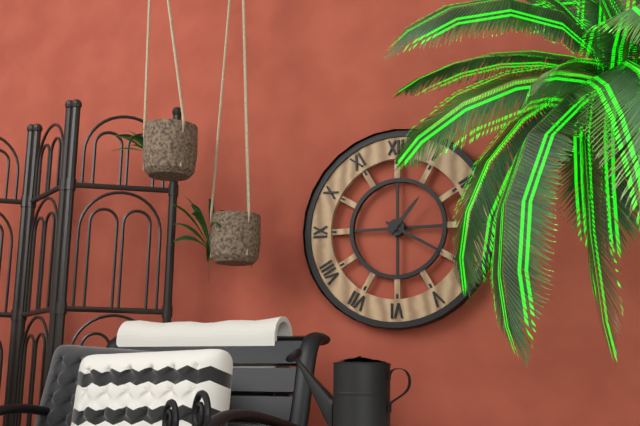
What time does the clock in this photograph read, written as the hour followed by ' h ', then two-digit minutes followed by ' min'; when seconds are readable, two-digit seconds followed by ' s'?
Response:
1 h 20 min
